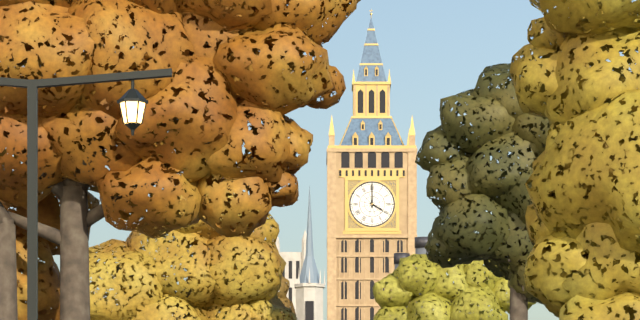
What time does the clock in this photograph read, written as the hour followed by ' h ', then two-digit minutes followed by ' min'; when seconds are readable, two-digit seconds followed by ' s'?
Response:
4 h 00 min
